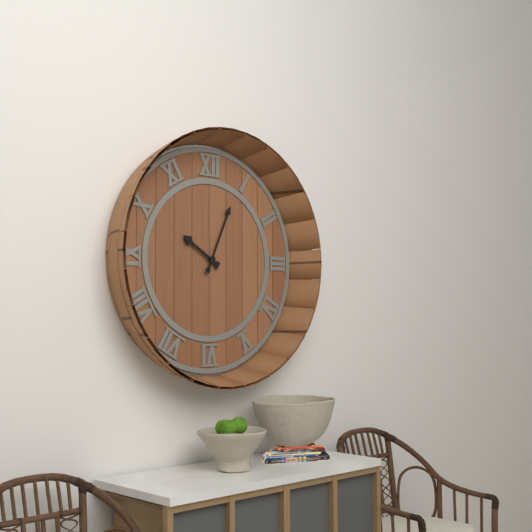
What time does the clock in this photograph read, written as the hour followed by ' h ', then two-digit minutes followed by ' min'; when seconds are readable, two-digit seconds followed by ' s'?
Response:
10 h 04 min
